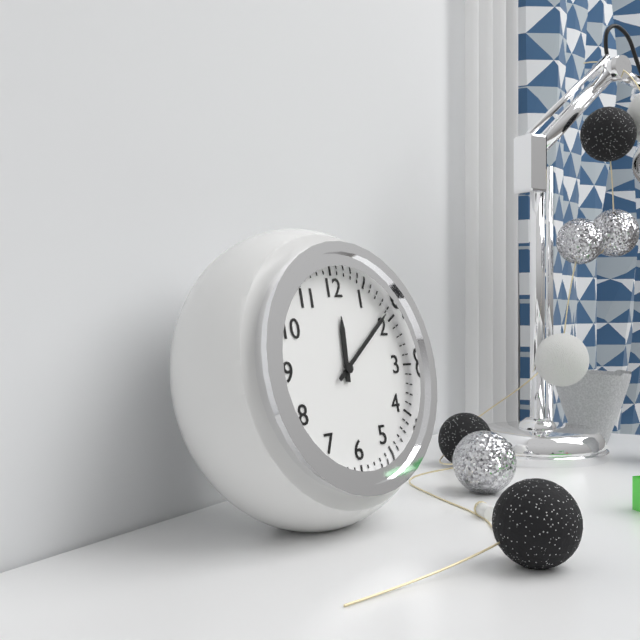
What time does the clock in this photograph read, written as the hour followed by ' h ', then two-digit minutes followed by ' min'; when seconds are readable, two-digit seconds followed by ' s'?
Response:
12 h 09 min
